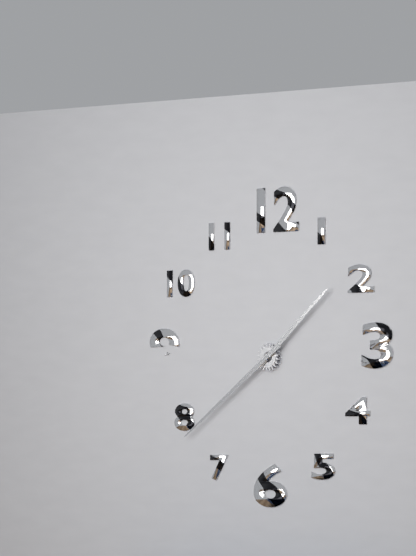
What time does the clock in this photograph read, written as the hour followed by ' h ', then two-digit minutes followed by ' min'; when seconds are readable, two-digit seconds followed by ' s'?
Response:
1 h 39 min
